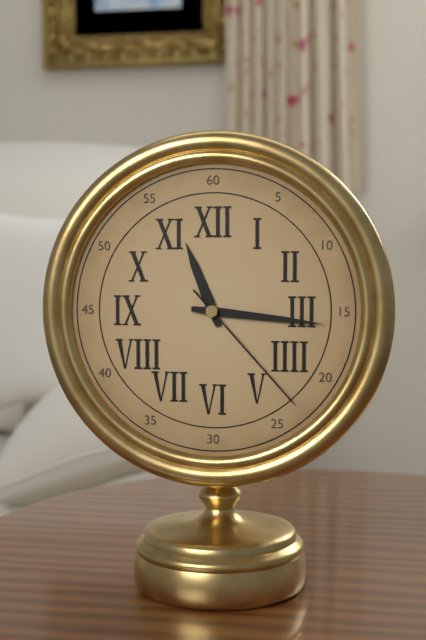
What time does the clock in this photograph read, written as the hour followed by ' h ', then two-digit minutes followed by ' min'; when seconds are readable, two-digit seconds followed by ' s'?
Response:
11 h 16 min 23 s
